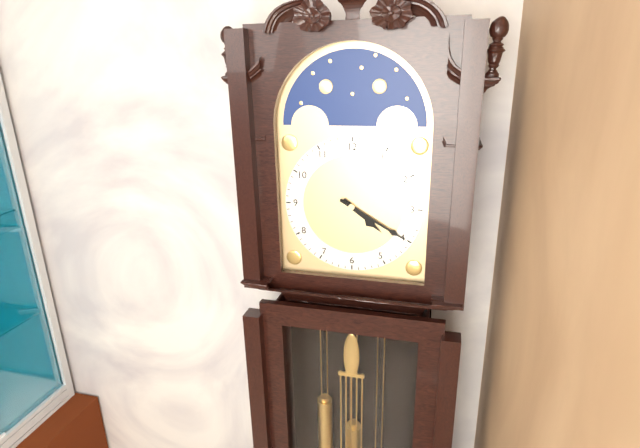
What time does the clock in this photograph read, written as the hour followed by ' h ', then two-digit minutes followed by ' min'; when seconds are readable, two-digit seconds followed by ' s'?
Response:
4 h 20 min
